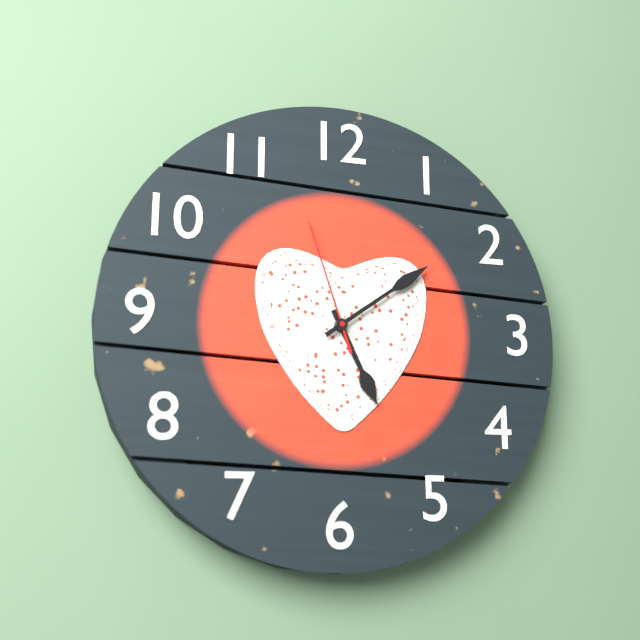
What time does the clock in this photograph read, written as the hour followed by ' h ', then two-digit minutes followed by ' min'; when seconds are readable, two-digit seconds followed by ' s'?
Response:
5 h 09 min 57 s
